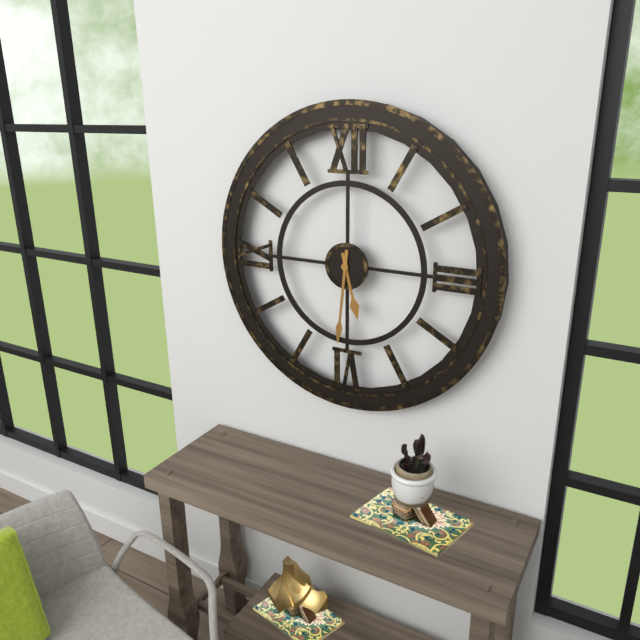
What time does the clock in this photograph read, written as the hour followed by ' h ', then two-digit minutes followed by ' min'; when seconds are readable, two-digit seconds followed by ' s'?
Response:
5 h 31 min
